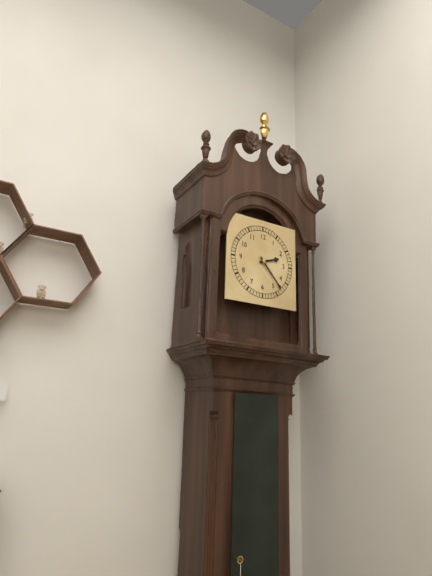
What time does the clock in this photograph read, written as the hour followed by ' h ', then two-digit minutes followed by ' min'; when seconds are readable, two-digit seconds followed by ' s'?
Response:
2 h 23 min
